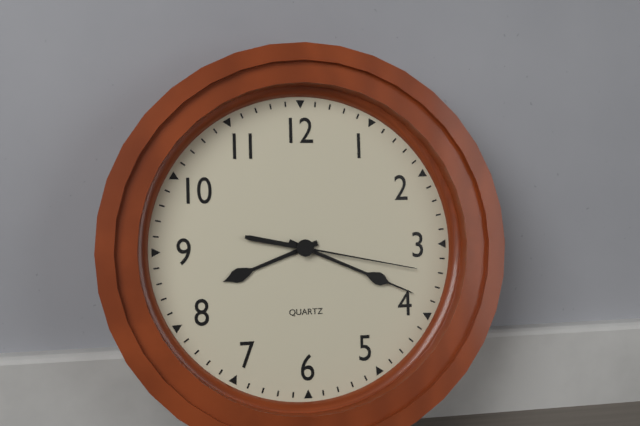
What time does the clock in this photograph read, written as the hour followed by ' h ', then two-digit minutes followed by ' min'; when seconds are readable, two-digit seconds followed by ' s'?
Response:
8 h 19 min 17 s
